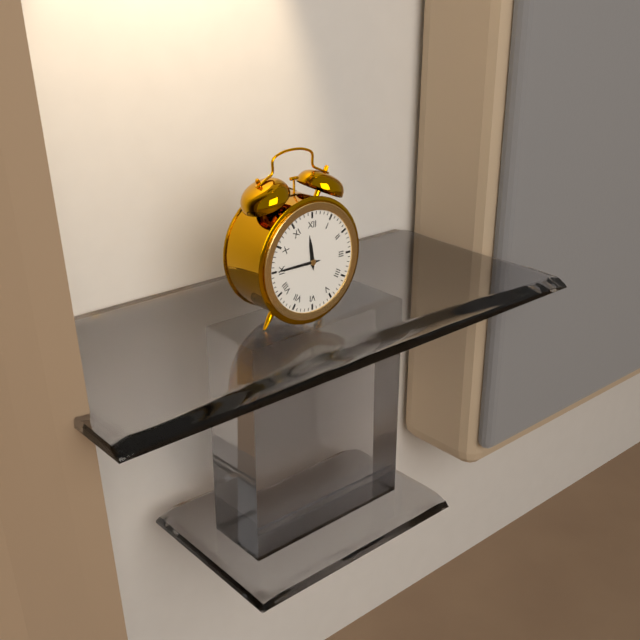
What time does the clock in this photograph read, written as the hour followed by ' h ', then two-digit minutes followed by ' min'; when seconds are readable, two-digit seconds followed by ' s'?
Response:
11 h 45 min
